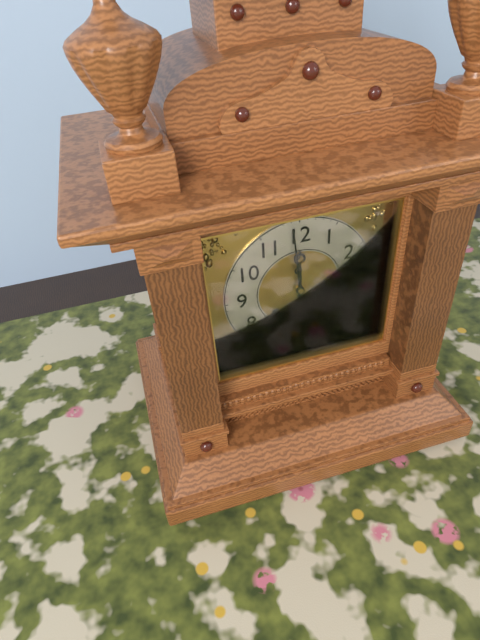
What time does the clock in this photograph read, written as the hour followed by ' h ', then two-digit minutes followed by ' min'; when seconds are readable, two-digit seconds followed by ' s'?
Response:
11 h 59 min
